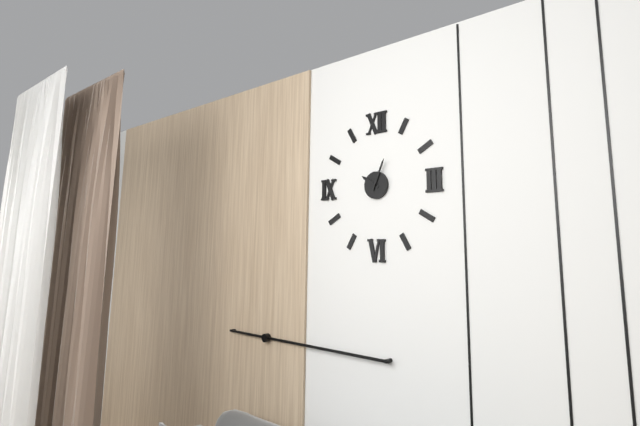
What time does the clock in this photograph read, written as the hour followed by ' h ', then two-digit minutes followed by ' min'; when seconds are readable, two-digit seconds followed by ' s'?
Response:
10 h 04 min
